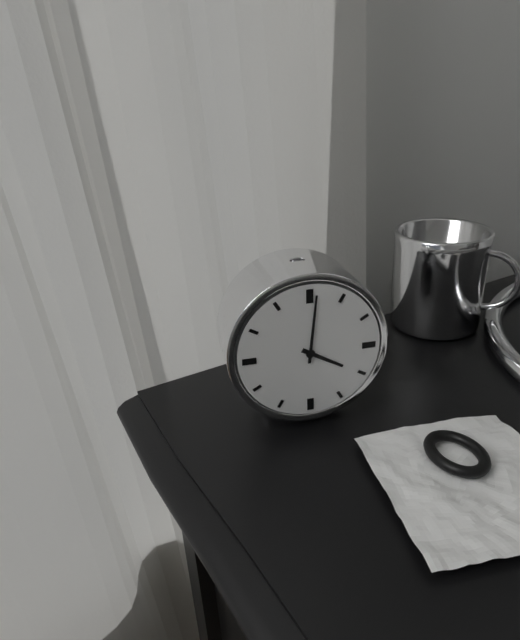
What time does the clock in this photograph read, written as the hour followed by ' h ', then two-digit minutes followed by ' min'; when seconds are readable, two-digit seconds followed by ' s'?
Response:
4 h 01 min
